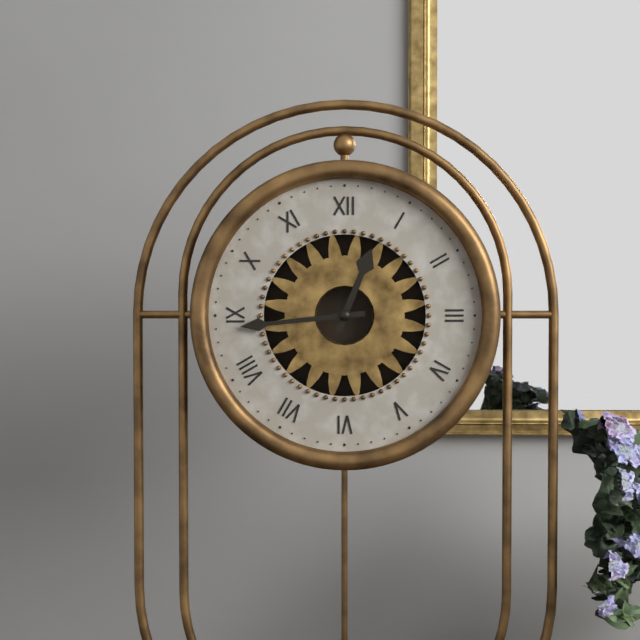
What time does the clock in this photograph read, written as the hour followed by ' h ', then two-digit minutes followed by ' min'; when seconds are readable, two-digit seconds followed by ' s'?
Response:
12 h 44 min
